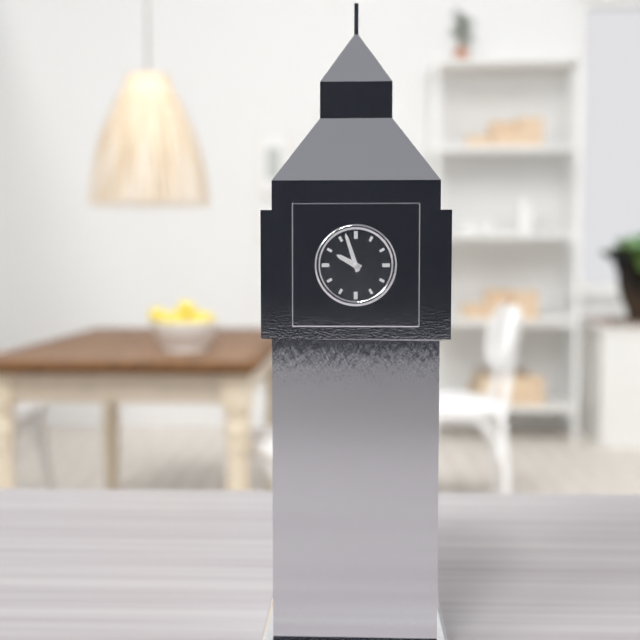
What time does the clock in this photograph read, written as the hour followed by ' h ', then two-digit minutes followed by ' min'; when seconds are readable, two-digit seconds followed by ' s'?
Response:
9 h 57 min
